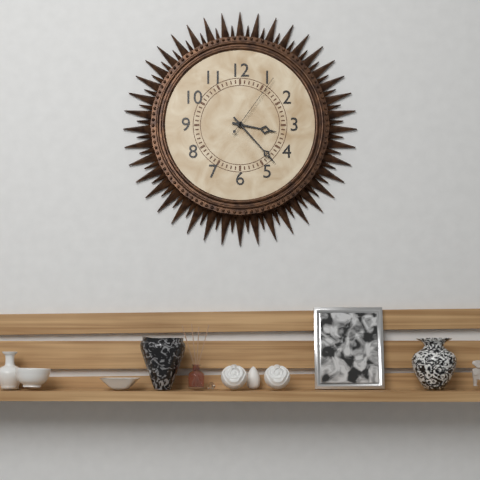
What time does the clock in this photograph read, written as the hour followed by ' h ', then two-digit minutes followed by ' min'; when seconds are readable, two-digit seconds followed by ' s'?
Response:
3 h 23 min 06 s
